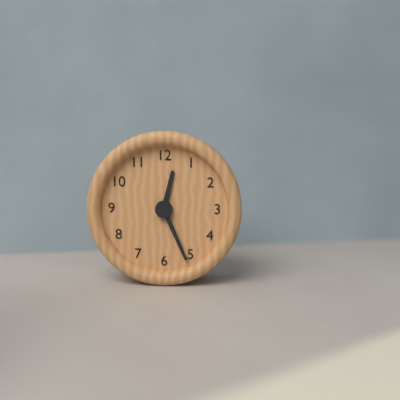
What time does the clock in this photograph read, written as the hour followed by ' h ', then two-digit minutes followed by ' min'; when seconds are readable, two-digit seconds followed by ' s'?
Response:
12 h 26 min
